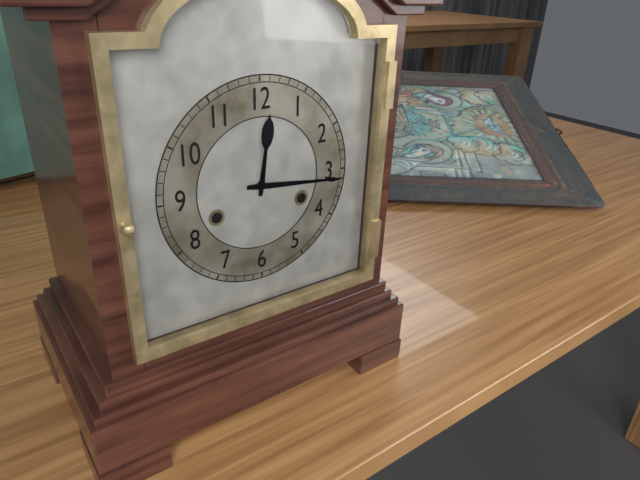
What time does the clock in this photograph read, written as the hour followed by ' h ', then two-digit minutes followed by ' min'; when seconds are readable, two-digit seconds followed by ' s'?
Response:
12 h 16 min
